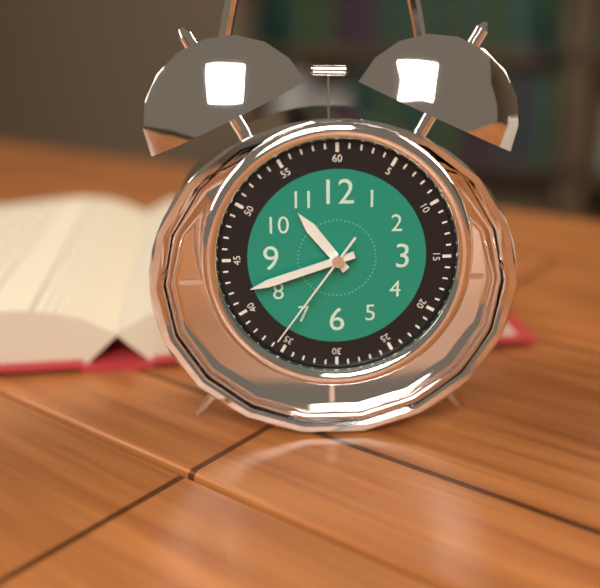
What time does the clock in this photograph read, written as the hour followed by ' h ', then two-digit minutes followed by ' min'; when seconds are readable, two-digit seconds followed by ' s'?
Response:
10 h 42 min 36 s
